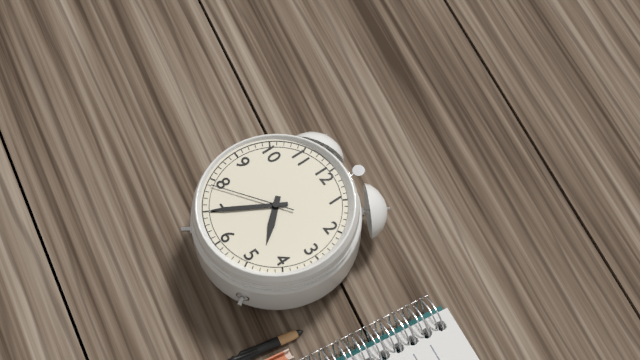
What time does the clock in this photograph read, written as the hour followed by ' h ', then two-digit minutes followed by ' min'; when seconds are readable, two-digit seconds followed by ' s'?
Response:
4 h 35 min 39 s
